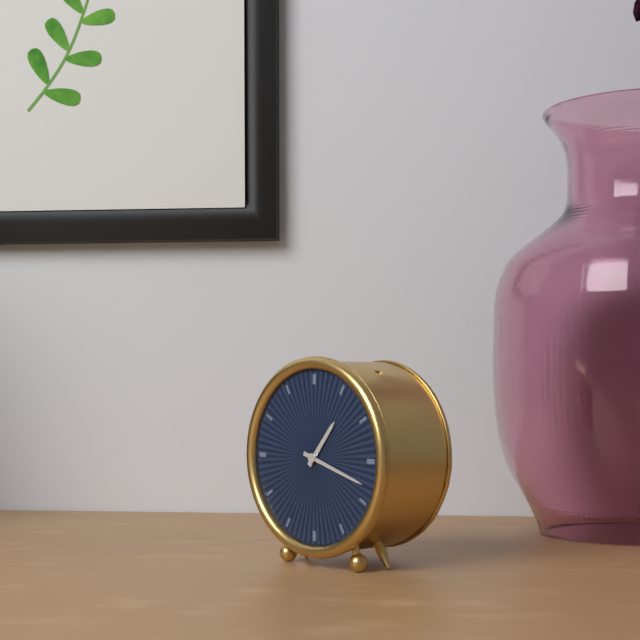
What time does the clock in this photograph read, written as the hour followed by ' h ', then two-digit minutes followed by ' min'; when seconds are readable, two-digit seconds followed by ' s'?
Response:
1 h 18 min
